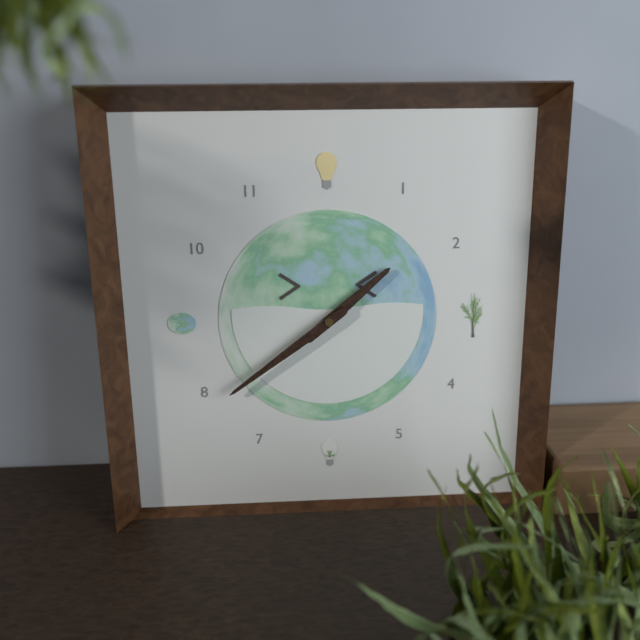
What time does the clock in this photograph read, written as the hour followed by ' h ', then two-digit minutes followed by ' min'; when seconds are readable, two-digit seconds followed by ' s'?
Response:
1 h 39 min
